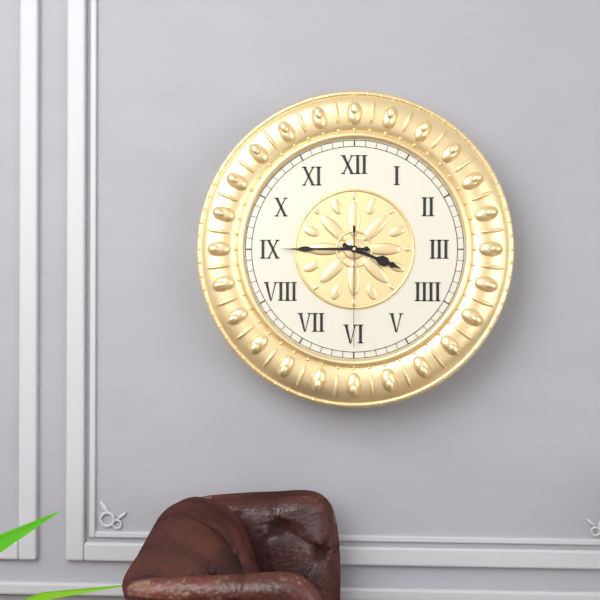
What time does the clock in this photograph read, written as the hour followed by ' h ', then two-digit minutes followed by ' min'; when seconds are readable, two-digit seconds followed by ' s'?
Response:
3 h 45 min 30 s
